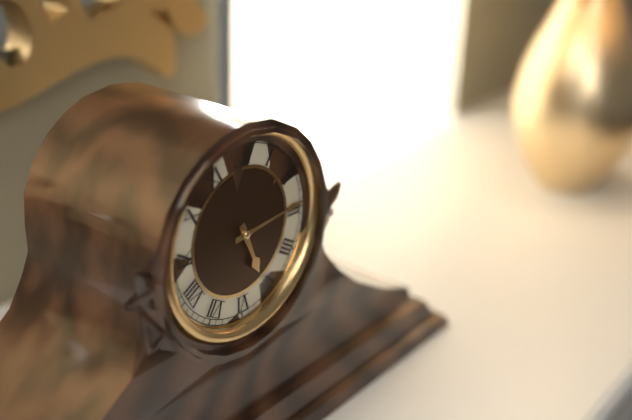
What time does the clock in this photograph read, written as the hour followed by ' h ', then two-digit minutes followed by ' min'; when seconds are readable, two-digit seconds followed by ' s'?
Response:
5 h 14 min
